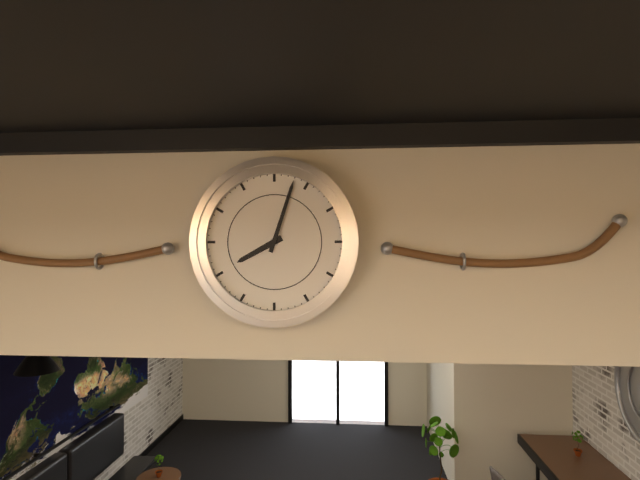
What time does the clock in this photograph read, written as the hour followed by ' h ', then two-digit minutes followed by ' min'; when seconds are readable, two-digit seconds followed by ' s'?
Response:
8 h 03 min
